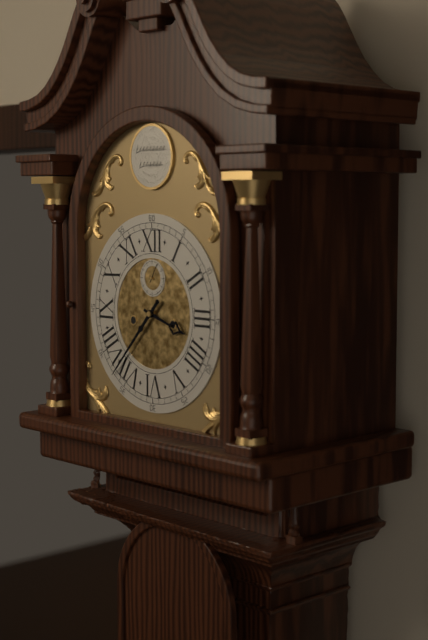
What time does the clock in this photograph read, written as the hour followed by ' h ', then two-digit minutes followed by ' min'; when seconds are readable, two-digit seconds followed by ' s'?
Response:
3 h 37 min 05 s
